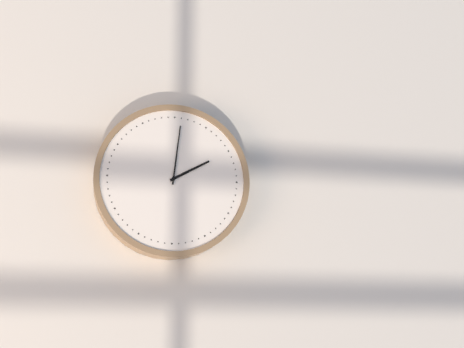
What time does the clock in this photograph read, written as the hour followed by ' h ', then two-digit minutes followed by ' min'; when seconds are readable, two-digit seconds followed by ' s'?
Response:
2 h 01 min
